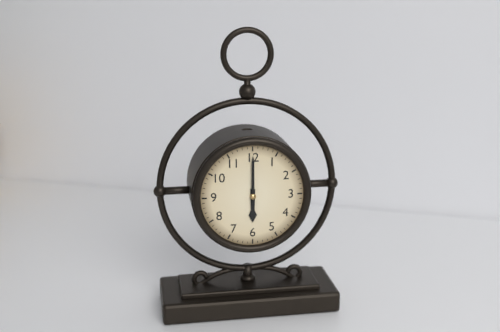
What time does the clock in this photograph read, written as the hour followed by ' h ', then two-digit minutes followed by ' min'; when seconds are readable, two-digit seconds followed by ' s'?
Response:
6 h 00 min
